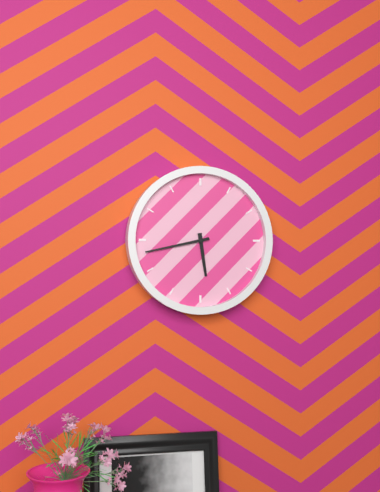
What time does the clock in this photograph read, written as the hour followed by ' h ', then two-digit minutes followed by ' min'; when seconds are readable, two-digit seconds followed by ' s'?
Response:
5 h 43 min
